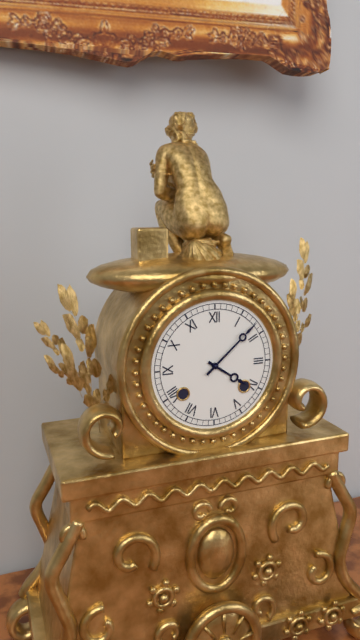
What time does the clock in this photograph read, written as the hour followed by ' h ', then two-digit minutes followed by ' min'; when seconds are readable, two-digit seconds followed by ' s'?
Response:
4 h 08 min
